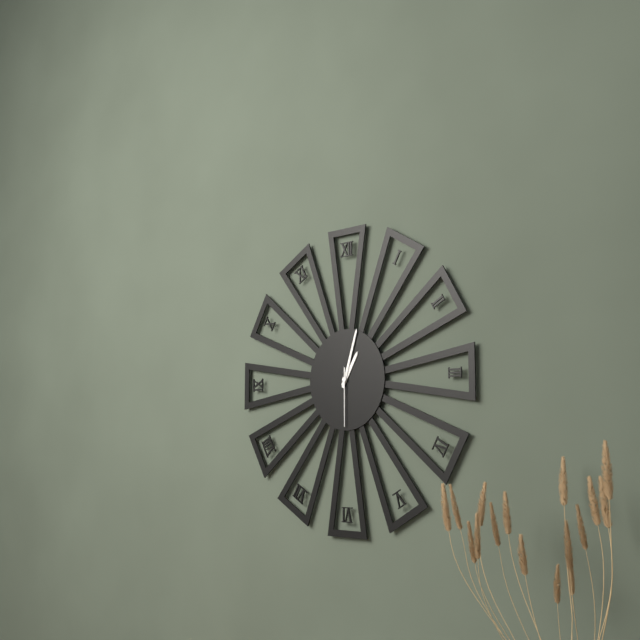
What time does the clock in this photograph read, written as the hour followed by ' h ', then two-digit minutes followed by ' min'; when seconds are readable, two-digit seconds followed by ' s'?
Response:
1 h 03 min 30 s
